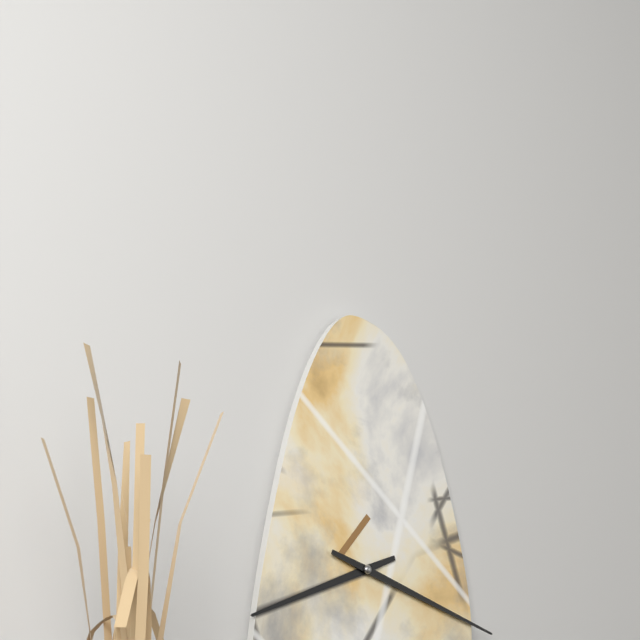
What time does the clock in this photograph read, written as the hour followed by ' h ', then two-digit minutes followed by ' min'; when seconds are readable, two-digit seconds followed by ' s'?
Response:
8 h 18 min
